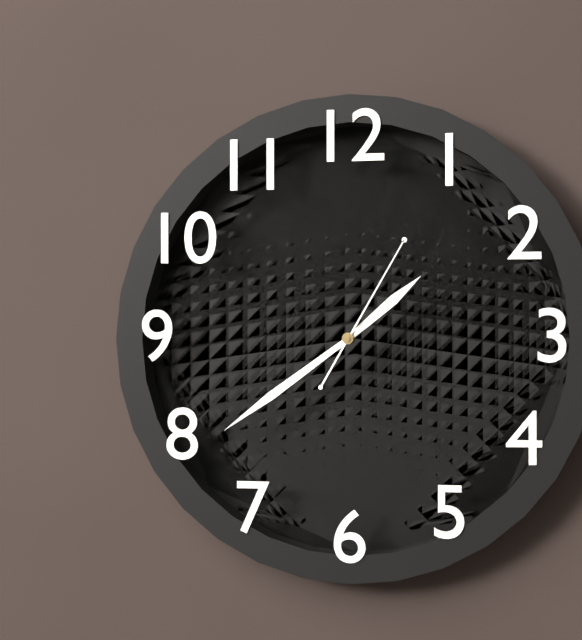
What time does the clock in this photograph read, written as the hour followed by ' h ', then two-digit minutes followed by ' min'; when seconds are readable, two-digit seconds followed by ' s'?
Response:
1 h 39 min 05 s
